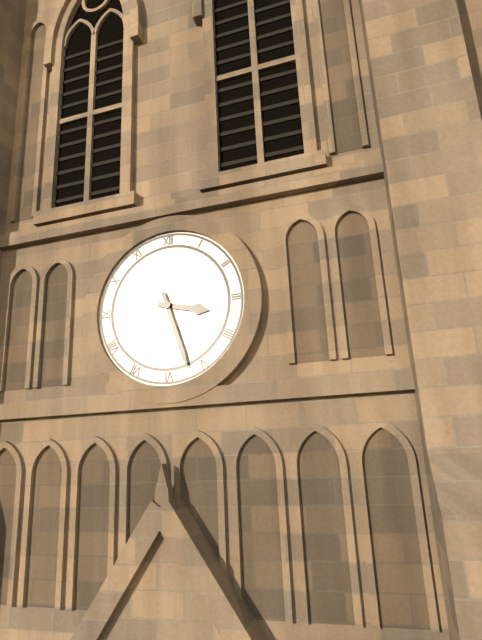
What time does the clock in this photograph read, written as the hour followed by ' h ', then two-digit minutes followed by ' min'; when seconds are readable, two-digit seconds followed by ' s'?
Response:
3 h 27 min
